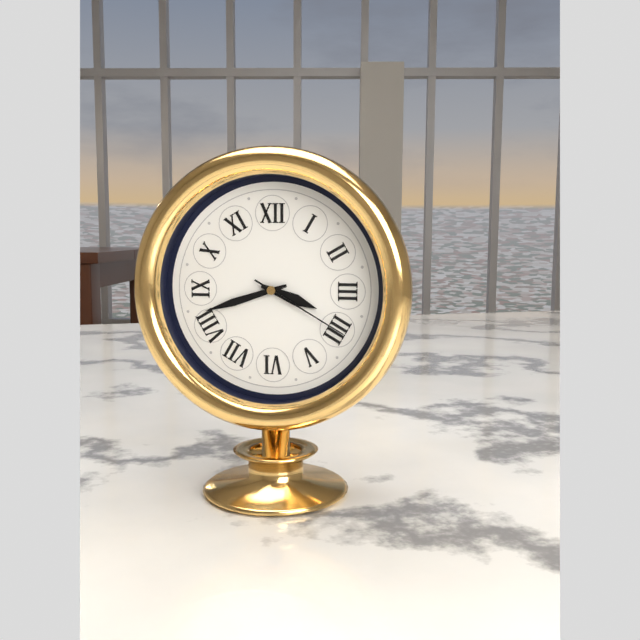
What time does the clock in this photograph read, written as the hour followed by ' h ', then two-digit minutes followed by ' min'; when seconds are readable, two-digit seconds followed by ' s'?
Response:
3 h 42 min 20 s
